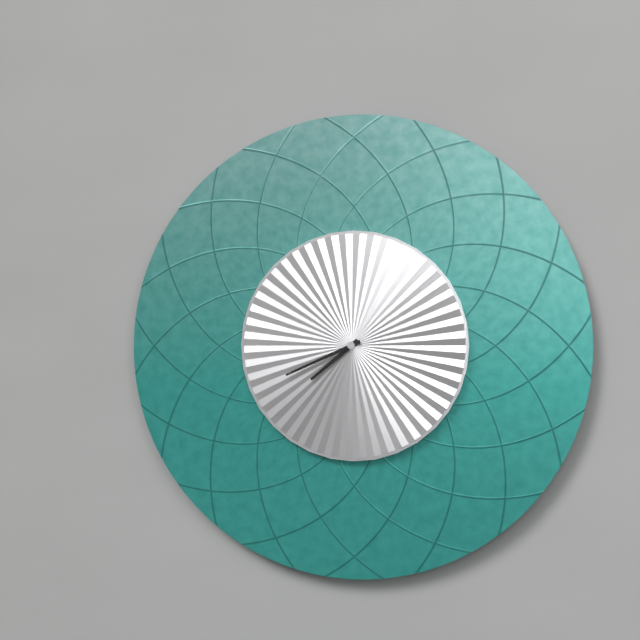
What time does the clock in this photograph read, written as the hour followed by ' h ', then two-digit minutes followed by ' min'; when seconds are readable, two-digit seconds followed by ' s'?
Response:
7 h 41 min
